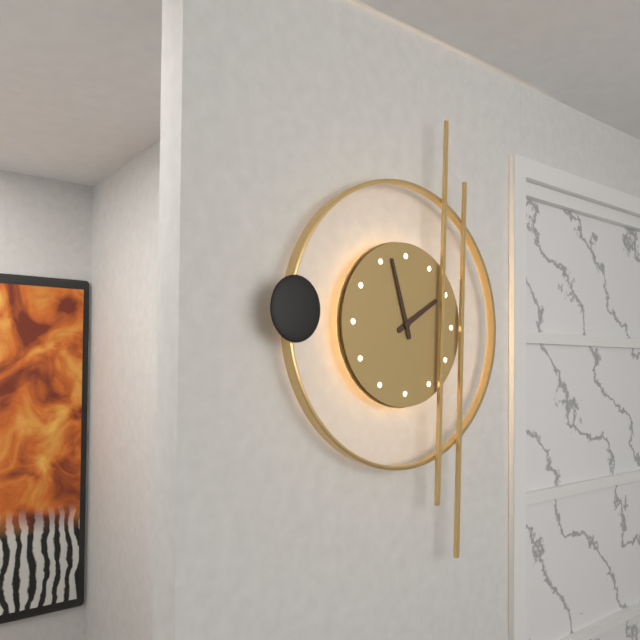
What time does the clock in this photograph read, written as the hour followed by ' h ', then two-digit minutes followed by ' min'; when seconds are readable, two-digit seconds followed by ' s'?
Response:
1 h 57 min
